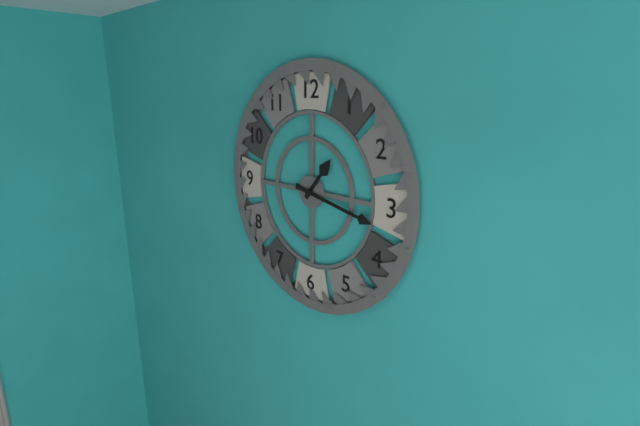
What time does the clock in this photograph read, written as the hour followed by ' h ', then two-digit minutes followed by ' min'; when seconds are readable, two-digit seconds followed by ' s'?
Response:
1 h 17 min
